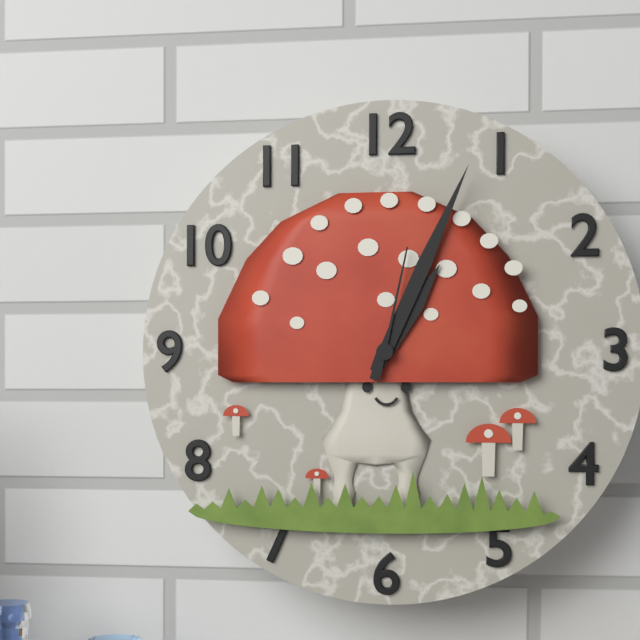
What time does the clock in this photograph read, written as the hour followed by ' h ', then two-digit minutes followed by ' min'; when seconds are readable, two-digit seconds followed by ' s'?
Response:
1 h 04 min 02 s
